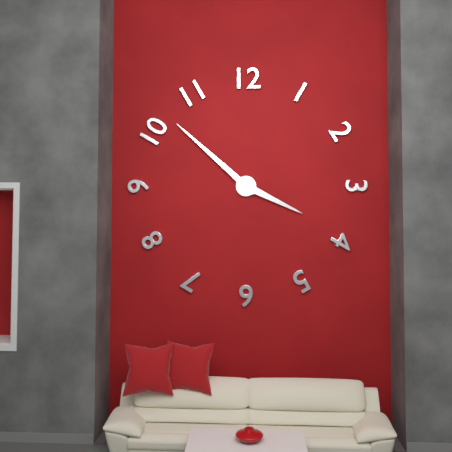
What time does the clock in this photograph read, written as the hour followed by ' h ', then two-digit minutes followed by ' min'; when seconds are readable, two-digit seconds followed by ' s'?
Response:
3 h 52 min
